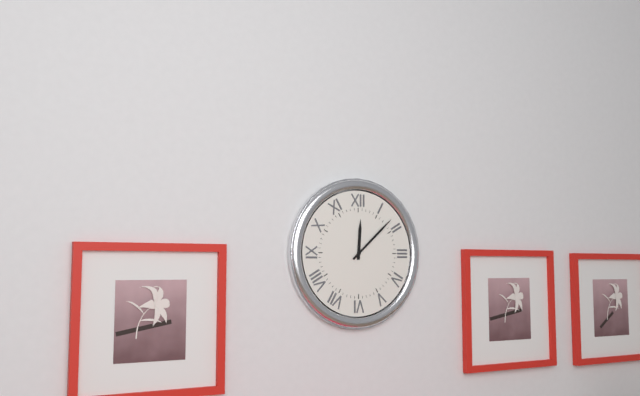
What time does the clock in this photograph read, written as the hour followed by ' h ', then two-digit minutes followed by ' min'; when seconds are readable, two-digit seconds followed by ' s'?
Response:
12 h 08 min
